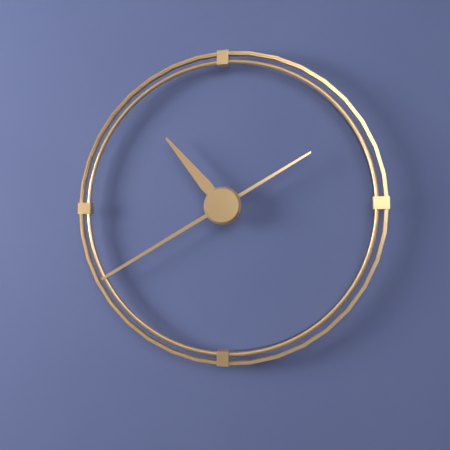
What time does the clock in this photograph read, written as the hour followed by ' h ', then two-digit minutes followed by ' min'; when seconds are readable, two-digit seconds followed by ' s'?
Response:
10 h 40 min
